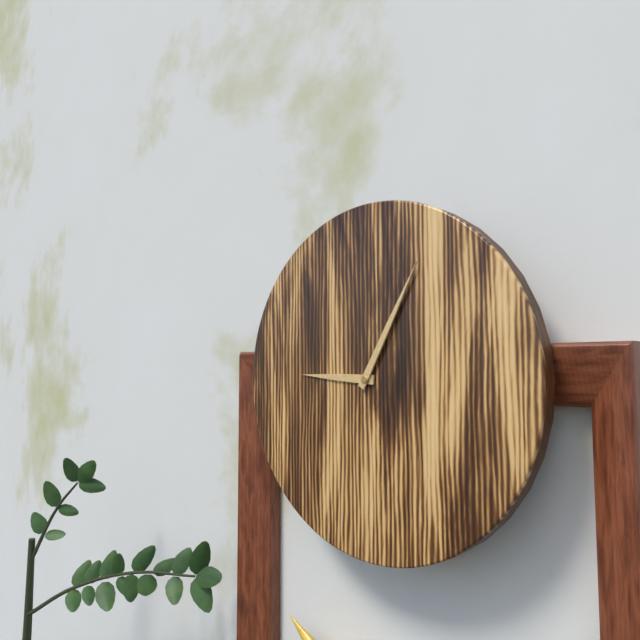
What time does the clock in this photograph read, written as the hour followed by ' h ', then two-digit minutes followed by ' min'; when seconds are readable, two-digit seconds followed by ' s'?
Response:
9 h 05 min
